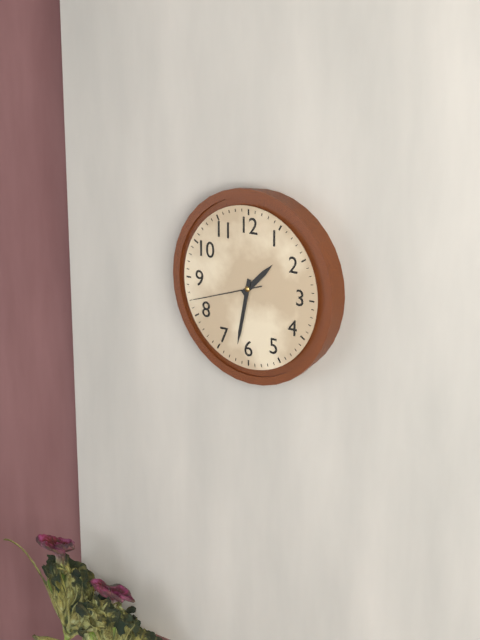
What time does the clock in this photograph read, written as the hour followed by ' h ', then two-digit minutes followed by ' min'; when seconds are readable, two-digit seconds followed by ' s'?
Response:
1 h 32 min 42 s
